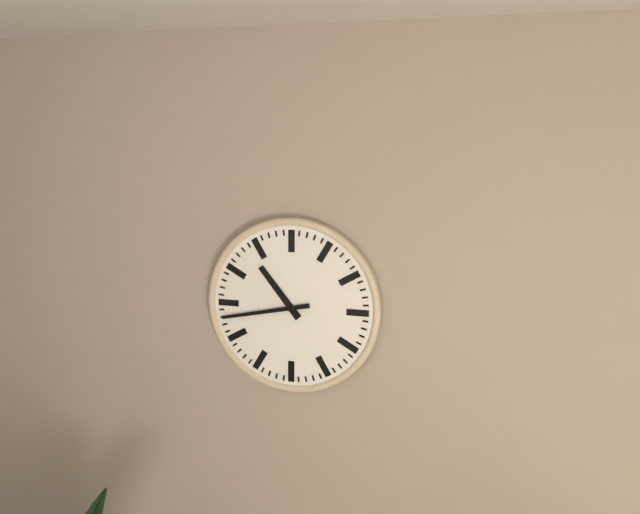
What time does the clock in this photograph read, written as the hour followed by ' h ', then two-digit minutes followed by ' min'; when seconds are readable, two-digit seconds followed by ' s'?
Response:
10 h 43 min
